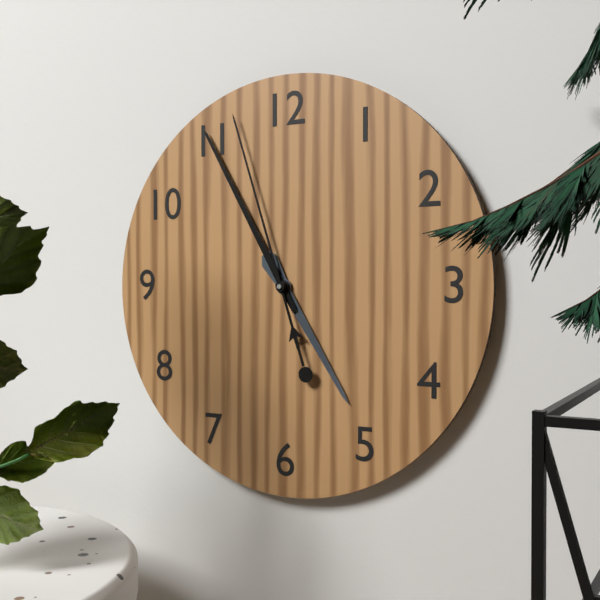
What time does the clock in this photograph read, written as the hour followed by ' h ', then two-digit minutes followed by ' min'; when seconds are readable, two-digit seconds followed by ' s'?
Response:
4 h 55 min 57 s
